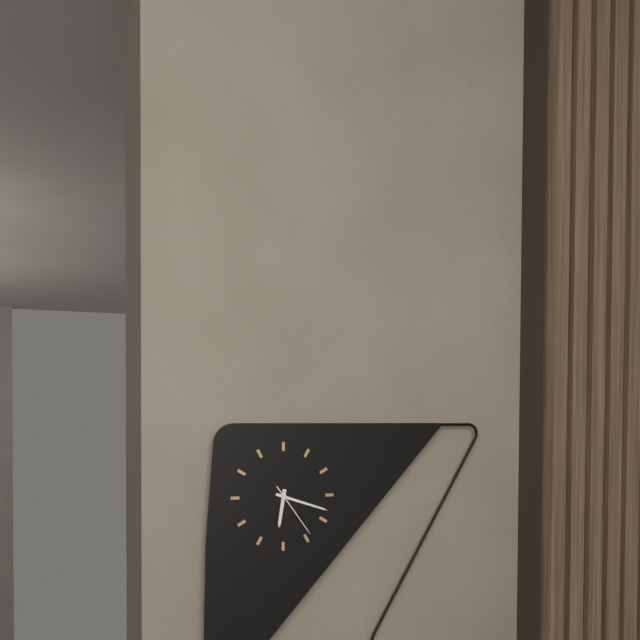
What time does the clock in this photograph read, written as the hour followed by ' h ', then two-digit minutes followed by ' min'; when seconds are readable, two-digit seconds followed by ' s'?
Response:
6 h 18 min 24 s
